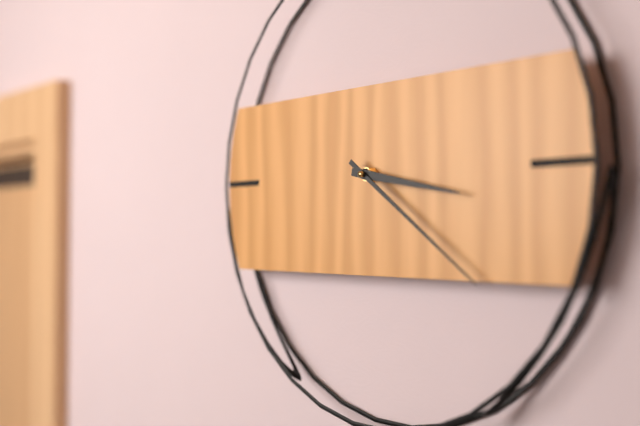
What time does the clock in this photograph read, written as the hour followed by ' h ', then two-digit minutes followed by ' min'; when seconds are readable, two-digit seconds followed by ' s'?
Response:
3 h 21 min
